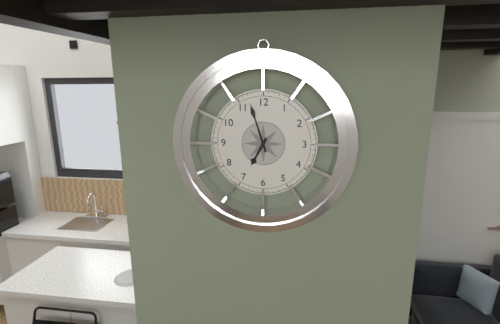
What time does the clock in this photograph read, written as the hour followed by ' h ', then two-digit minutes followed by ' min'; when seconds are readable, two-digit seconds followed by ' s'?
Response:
6 h 57 min
